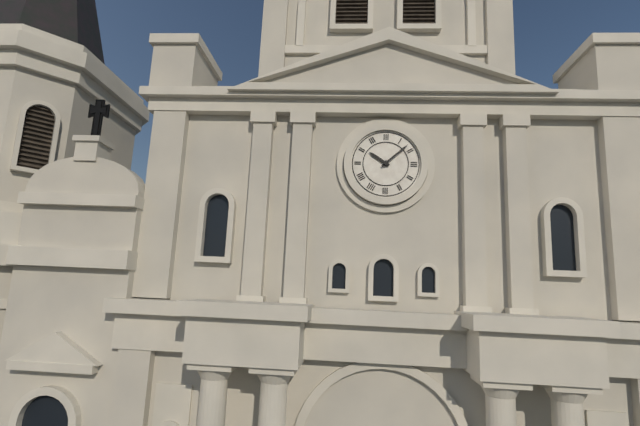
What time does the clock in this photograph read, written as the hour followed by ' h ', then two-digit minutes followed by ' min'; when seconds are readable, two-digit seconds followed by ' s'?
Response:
10 h 08 min
